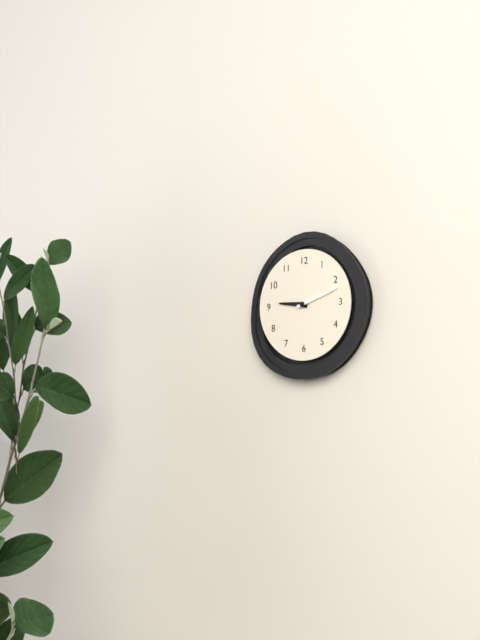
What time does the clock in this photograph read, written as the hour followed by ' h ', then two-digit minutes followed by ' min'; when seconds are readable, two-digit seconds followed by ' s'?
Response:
9 h 12 min
